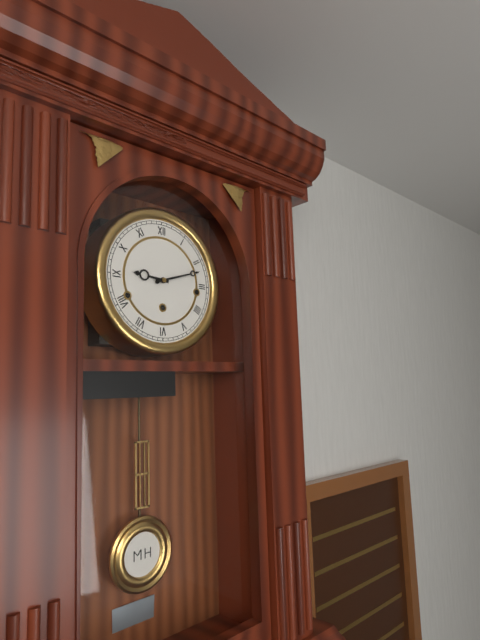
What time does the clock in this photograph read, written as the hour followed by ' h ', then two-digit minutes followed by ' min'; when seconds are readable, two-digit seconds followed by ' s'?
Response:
9 h 12 min
